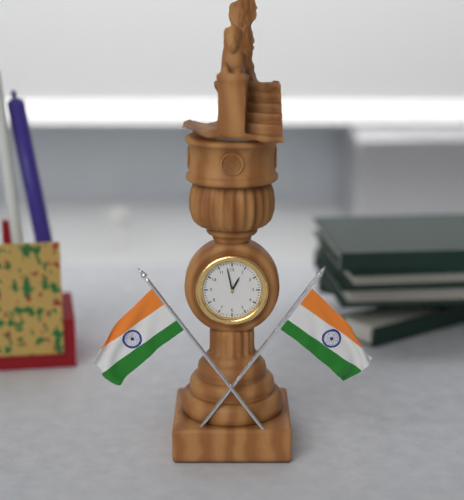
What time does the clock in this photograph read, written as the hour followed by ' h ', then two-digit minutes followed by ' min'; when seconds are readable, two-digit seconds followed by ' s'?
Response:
12 h 58 min
